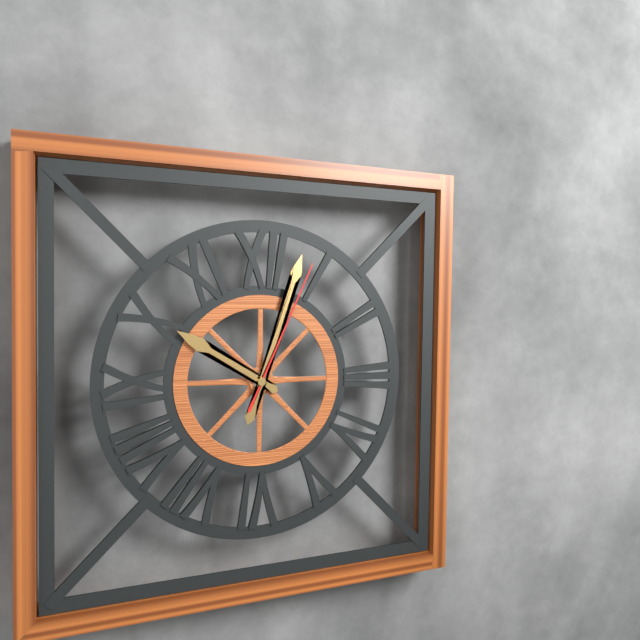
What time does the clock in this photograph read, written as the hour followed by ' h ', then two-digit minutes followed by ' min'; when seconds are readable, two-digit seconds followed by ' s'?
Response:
10 h 03 min 04 s
